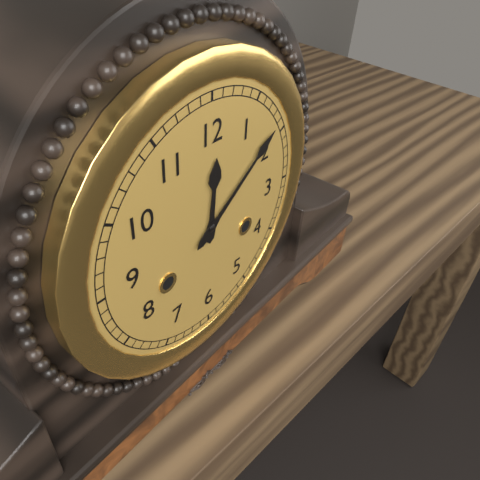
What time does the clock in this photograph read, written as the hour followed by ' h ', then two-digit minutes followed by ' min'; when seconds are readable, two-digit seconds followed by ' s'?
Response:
12 h 09 min
